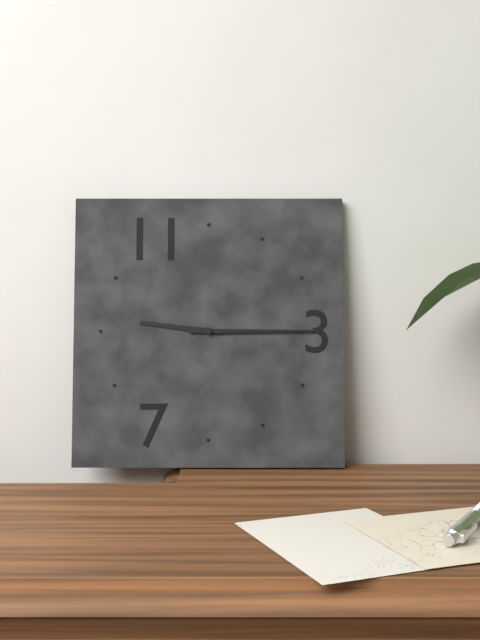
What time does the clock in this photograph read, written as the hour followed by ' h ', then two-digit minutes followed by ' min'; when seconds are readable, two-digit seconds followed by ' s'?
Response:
9 h 15 min
